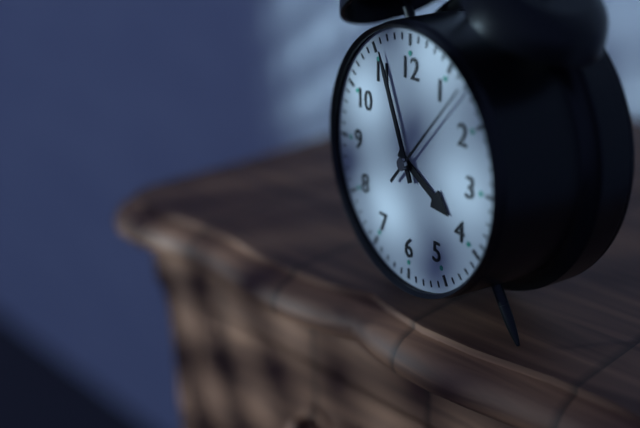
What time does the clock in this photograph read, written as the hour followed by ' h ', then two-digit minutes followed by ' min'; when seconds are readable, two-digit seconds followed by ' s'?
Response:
3 h 56 min 07 s
